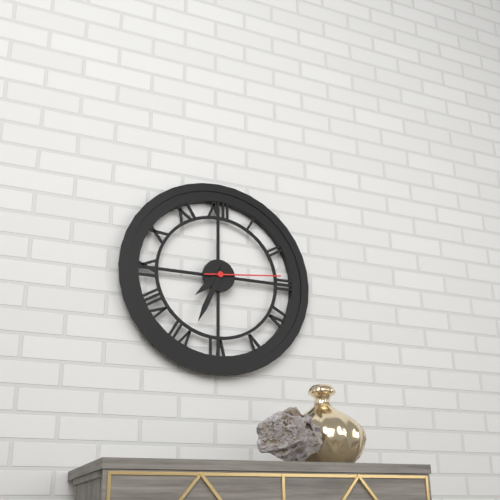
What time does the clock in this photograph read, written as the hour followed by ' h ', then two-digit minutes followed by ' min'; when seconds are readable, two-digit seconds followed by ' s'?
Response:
7 h 34 min 14 s
